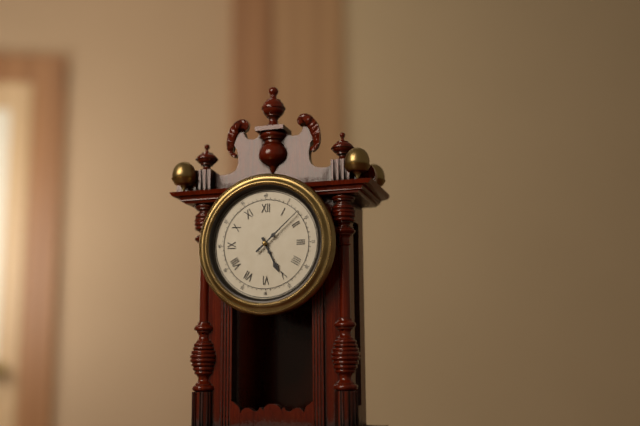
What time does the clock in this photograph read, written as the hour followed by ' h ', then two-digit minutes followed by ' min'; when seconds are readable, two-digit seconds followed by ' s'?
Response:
5 h 08 min
